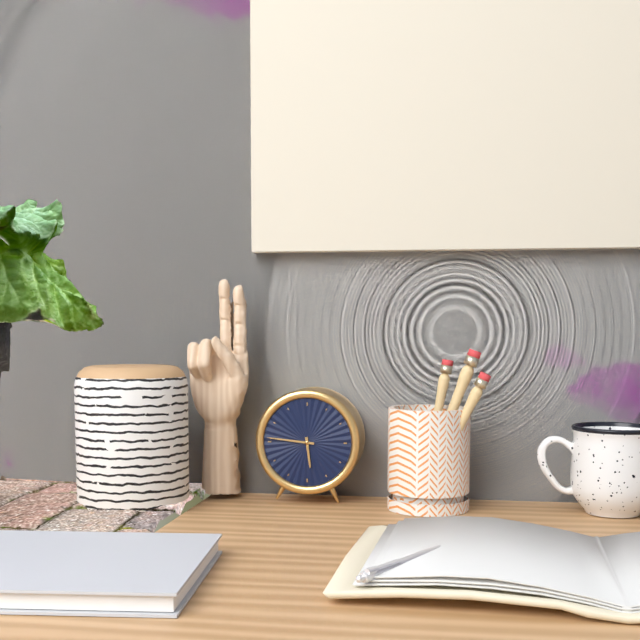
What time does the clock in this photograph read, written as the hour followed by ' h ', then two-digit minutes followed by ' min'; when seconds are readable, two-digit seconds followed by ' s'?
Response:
5 h 46 min
